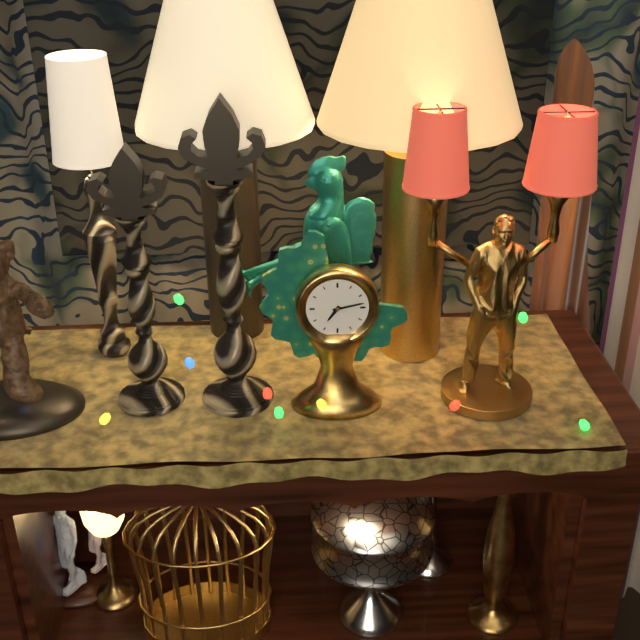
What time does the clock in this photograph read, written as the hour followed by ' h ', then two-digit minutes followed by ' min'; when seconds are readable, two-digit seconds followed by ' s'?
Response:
7 h 13 min
